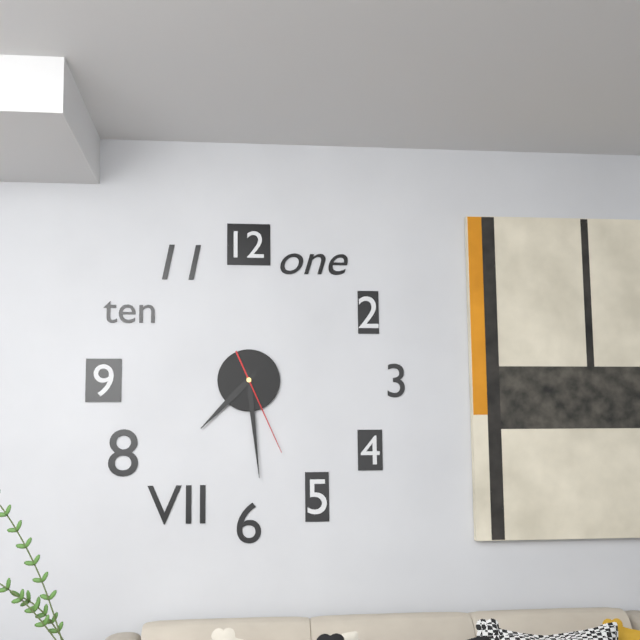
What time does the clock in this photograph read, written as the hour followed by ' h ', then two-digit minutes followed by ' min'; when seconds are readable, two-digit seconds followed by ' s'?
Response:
7 h 29 min 26 s
